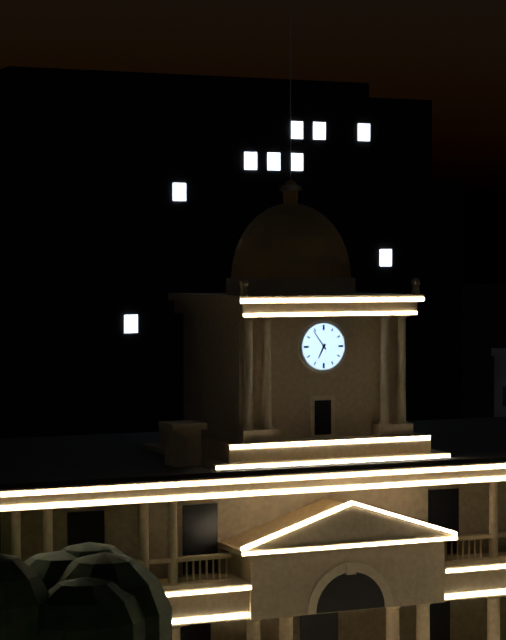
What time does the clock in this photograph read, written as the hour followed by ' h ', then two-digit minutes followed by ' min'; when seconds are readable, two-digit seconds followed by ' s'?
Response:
6 h 54 min
